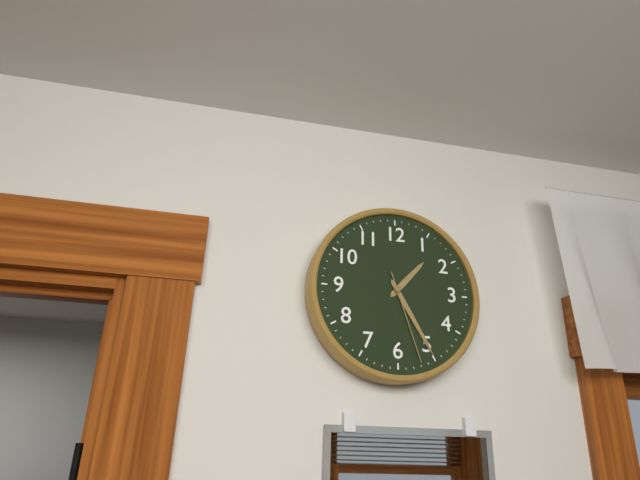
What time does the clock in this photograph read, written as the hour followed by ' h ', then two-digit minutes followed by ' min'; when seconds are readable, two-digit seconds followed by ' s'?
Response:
1 h 25 min 27 s
